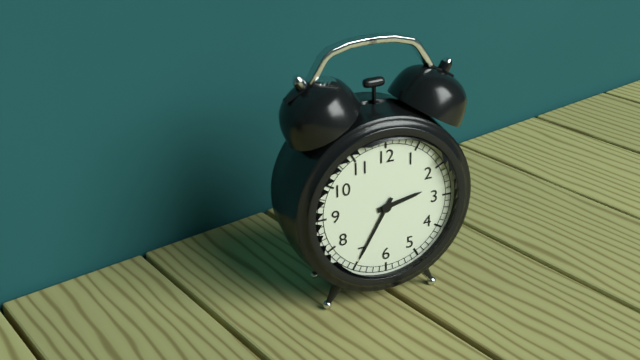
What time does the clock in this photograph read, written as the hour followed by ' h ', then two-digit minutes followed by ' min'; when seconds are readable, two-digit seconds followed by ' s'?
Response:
2 h 35 min
